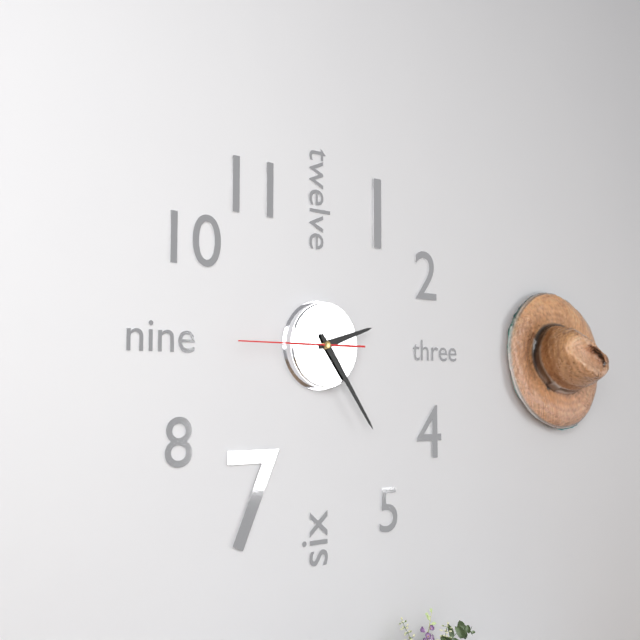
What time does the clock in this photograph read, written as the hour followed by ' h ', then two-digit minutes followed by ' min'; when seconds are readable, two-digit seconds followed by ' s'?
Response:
2 h 24 min 45 s
